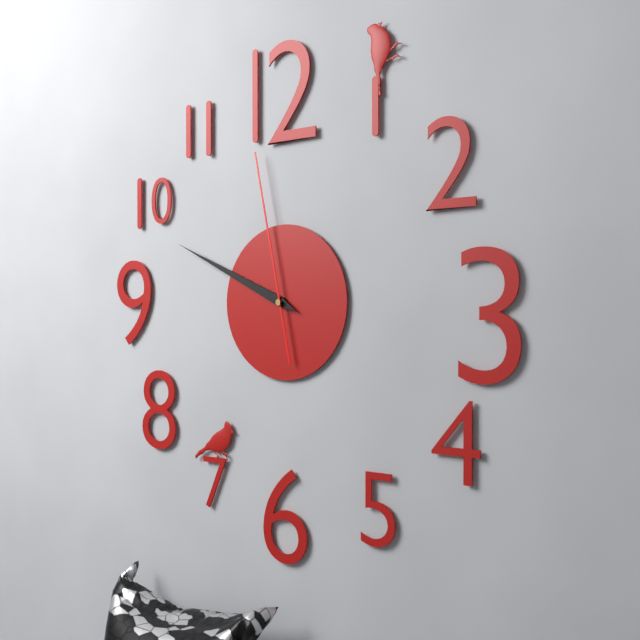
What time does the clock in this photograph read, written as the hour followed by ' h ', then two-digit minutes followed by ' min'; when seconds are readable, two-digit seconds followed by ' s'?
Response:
9 h 49 min 58 s
